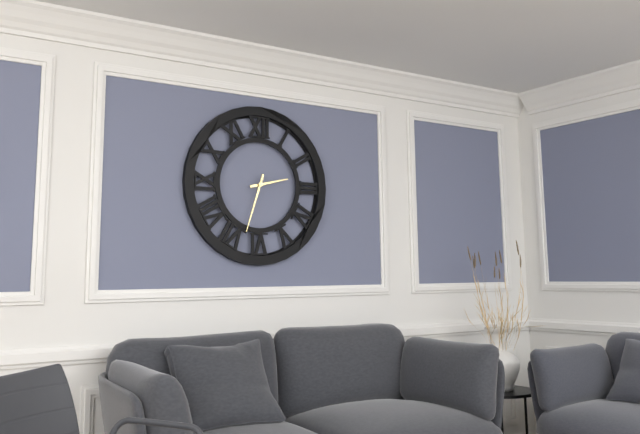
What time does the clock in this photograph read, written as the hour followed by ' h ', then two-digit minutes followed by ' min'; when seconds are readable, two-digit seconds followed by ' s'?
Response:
2 h 33 min
